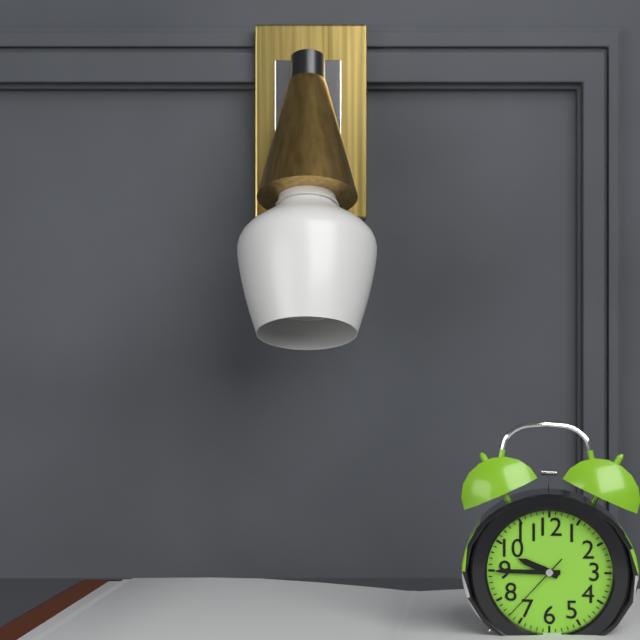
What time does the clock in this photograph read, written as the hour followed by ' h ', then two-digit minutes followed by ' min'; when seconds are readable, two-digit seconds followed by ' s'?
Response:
9 h 45 min 37 s
